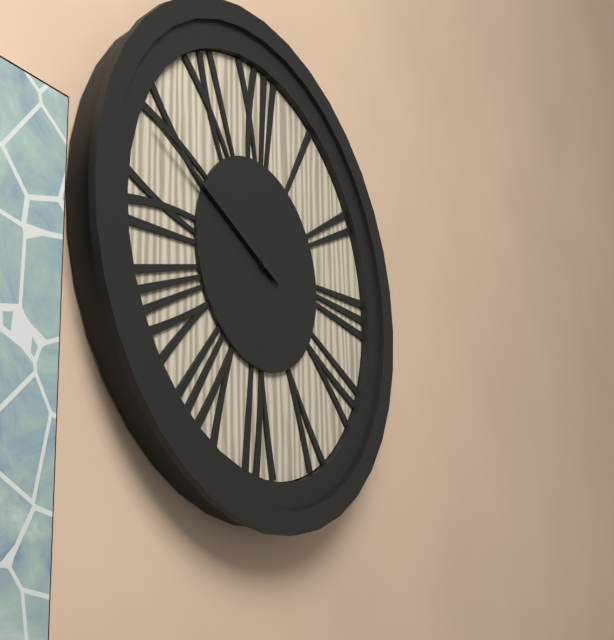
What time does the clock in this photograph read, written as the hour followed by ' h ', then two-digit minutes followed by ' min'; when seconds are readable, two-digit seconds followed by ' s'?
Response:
9 h 49 min
